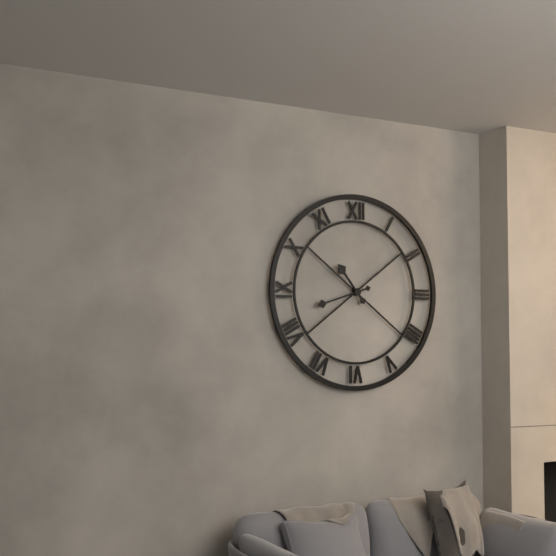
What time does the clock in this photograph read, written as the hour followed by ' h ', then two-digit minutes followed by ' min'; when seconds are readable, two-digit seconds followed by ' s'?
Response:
10 h 42 min
